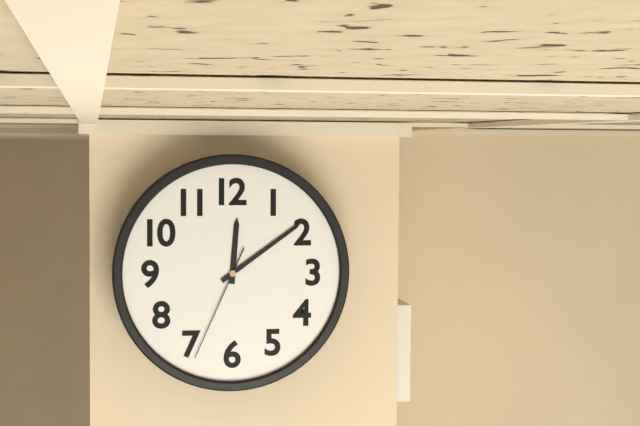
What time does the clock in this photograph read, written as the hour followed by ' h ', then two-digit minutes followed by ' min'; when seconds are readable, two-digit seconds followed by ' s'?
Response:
12 h 09 min 34 s
